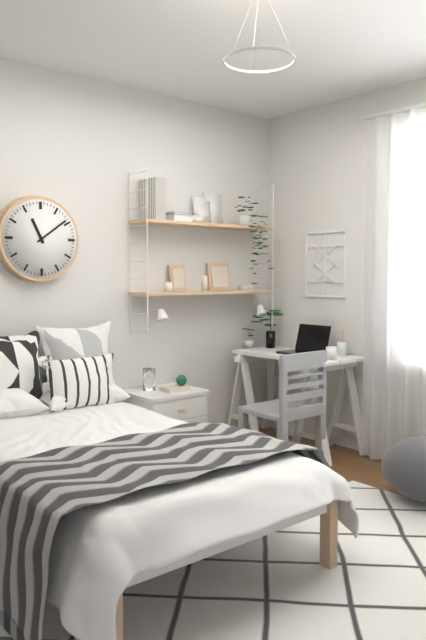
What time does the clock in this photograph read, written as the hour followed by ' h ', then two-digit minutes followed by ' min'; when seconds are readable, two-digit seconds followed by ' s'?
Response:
11 h 09 min
